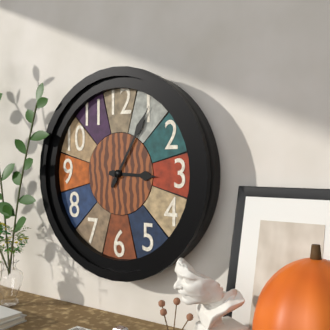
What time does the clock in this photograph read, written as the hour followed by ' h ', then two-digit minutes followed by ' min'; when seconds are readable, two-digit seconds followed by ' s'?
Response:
3 h 05 min
